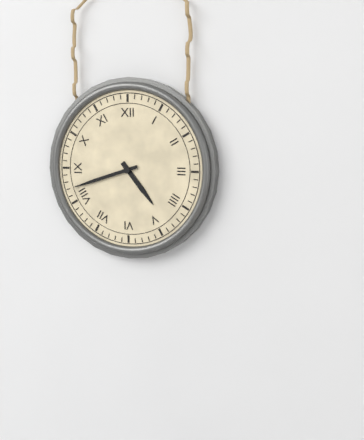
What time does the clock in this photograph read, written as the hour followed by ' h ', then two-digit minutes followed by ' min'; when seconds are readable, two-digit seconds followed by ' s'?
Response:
4 h 42 min
